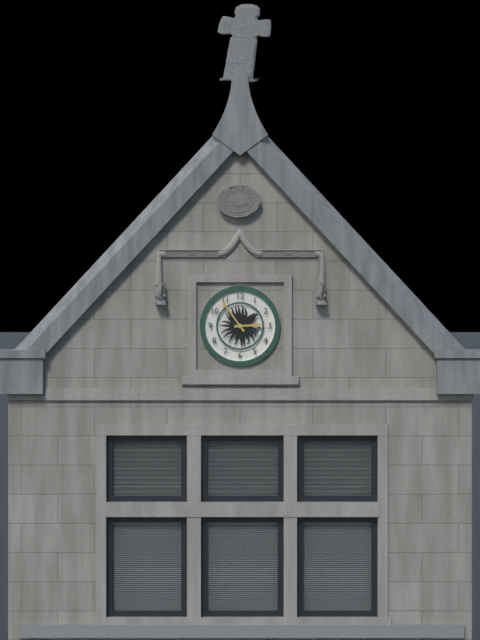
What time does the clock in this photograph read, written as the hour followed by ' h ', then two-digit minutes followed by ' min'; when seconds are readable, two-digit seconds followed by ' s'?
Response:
2 h 54 min
